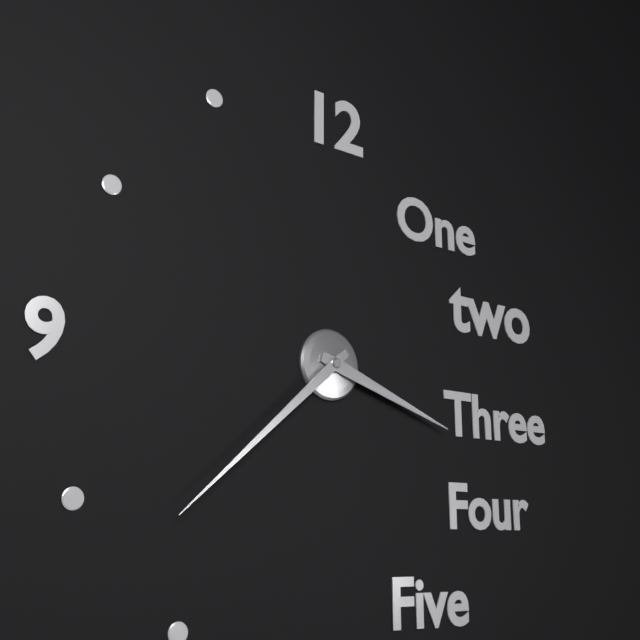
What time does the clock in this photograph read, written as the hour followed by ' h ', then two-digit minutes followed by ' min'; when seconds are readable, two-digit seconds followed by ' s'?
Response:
3 h 38 min
